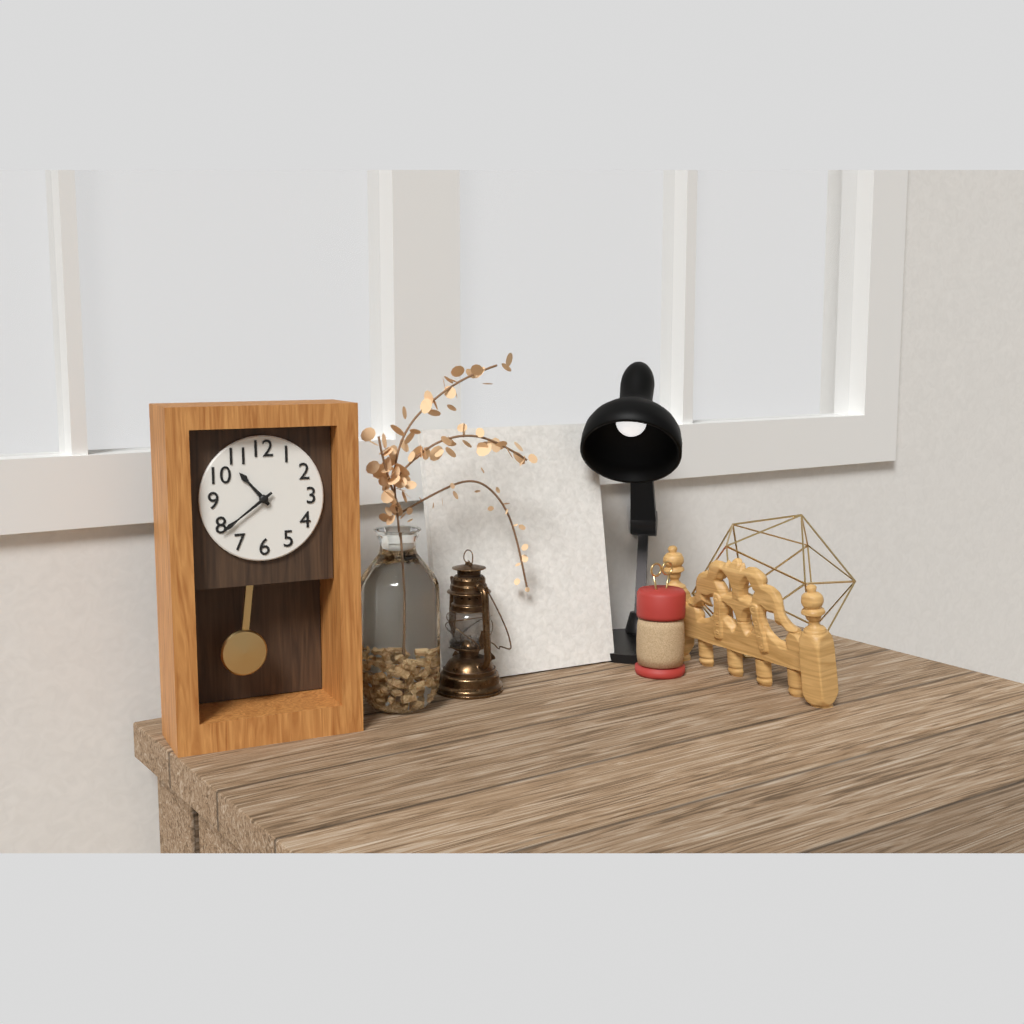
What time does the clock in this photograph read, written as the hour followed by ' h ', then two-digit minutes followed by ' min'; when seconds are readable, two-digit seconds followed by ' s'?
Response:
10 h 39 min
